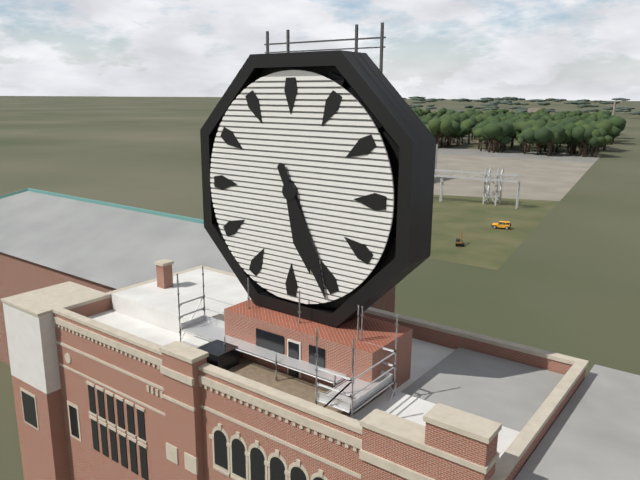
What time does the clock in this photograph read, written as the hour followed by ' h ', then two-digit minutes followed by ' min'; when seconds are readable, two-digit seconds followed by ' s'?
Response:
5 h 26 min
